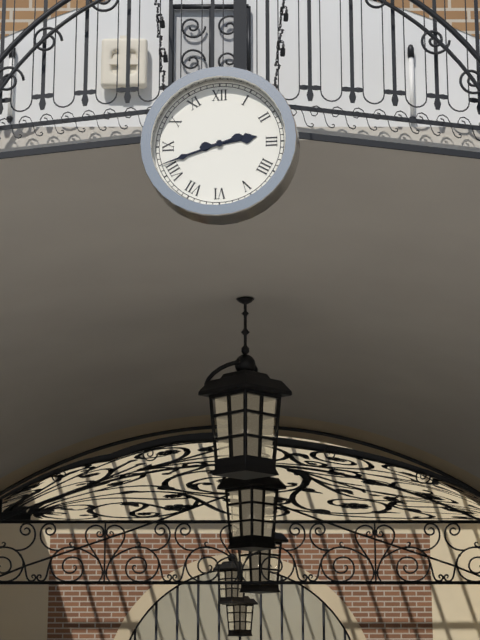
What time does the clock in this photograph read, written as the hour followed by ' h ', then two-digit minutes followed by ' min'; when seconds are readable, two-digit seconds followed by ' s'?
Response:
2 h 42 min
